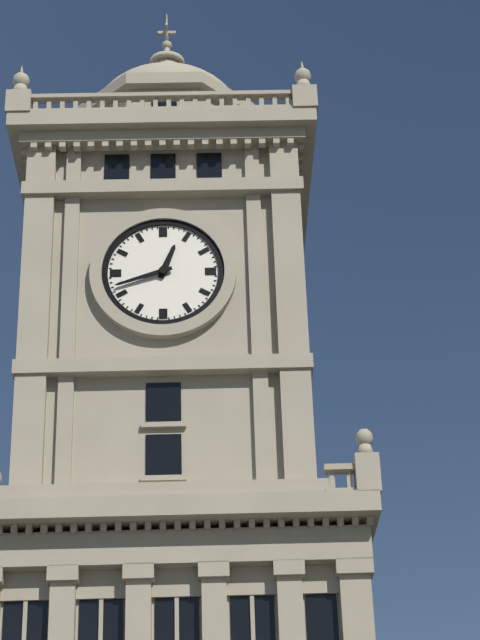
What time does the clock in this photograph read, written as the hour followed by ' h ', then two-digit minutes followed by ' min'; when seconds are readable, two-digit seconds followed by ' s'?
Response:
12 h 42 min
